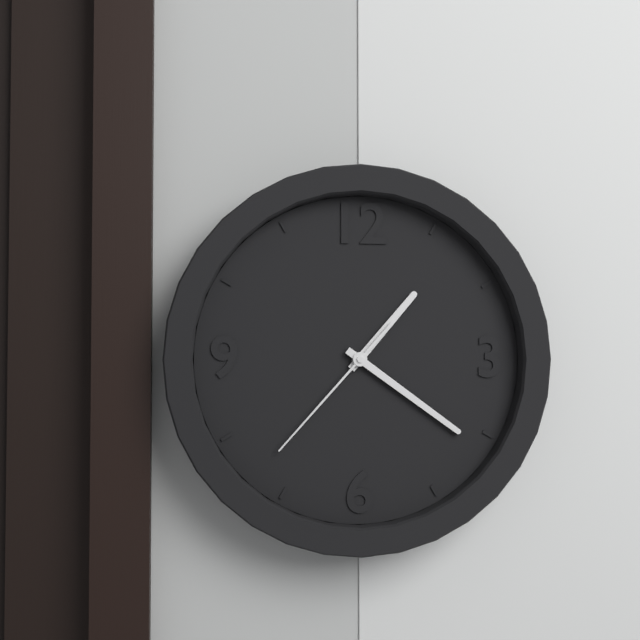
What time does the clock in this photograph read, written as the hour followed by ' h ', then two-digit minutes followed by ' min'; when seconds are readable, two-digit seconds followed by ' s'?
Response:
1 h 21 min 37 s
